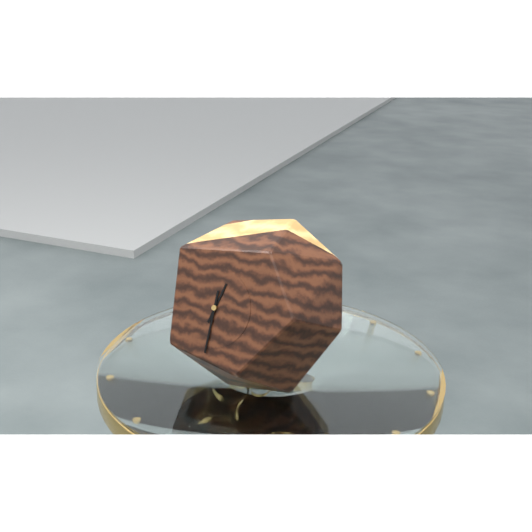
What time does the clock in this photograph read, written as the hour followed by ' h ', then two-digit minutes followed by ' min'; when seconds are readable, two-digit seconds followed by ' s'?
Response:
12 h 30 min
